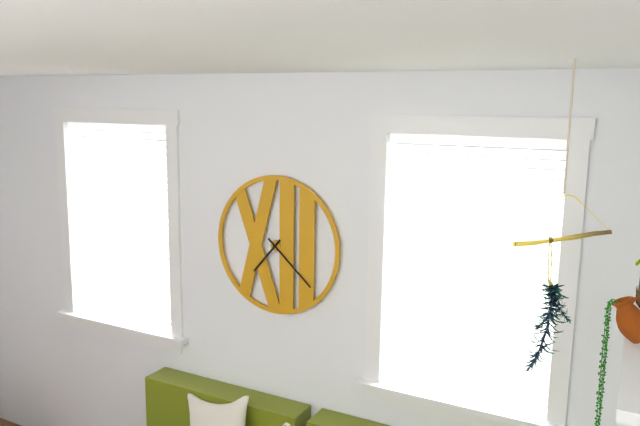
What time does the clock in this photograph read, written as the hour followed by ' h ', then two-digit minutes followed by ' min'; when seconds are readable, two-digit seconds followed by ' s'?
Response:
7 h 22 min
